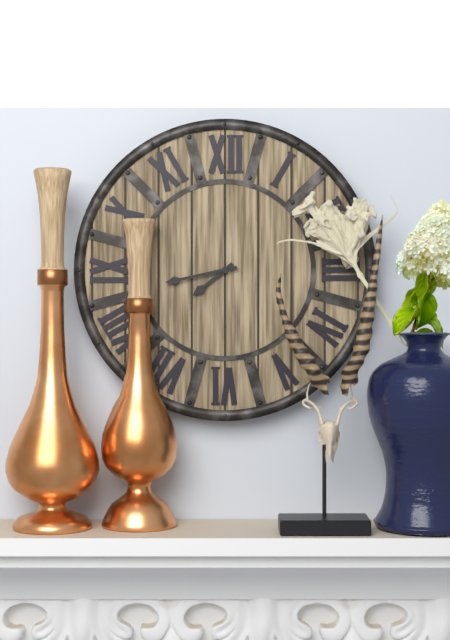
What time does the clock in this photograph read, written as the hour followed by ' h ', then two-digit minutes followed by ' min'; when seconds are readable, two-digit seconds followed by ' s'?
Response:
7 h 43 min
